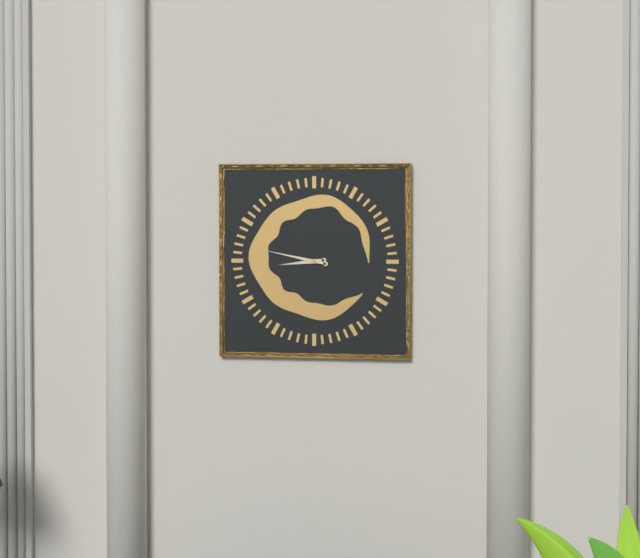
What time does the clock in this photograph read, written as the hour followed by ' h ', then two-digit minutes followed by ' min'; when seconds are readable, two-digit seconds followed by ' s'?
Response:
8 h 47 min
